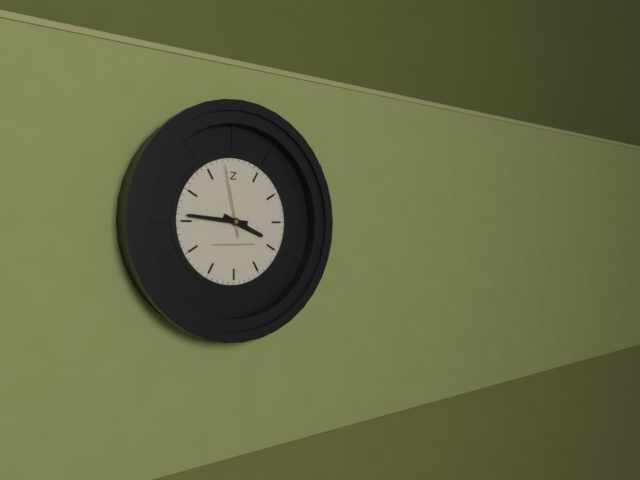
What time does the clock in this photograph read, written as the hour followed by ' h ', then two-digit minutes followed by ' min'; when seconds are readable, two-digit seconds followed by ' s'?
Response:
3 h 46 min 58 s
